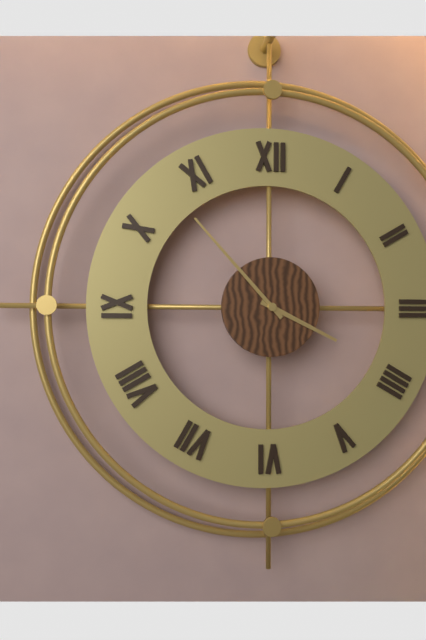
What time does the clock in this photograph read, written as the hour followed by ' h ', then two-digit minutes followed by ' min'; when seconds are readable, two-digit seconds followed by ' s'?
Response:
3 h 53 min
